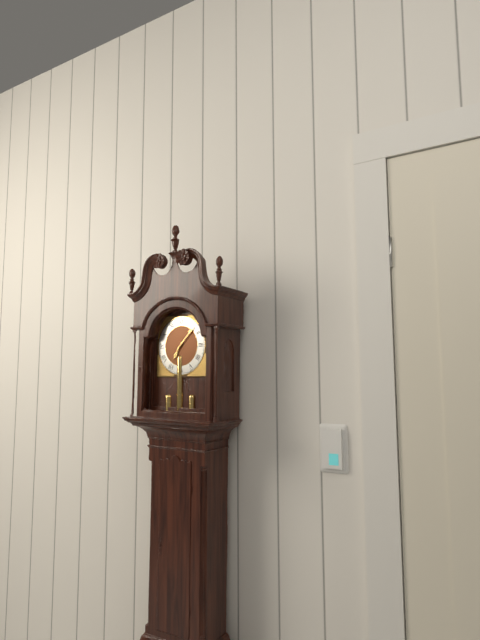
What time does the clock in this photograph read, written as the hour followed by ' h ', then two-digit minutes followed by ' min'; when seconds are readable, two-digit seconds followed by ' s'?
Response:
7 h 07 min
